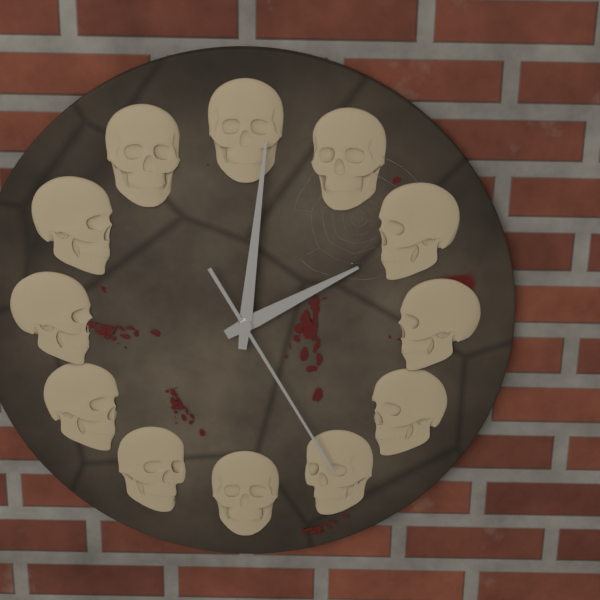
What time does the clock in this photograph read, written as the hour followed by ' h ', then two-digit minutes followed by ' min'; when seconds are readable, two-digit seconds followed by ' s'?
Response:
2 h 01 min 25 s
